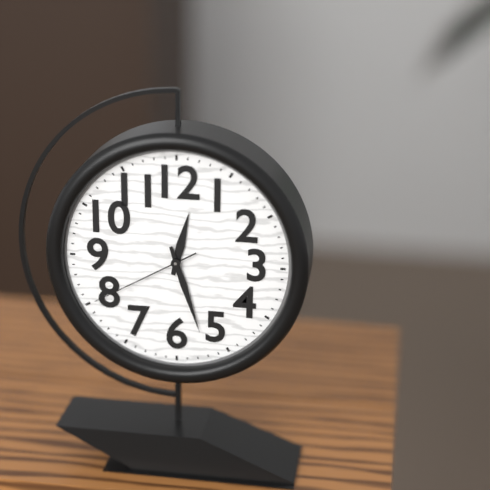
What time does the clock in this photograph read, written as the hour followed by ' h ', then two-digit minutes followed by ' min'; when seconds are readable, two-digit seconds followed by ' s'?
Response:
12 h 27 min 40 s
